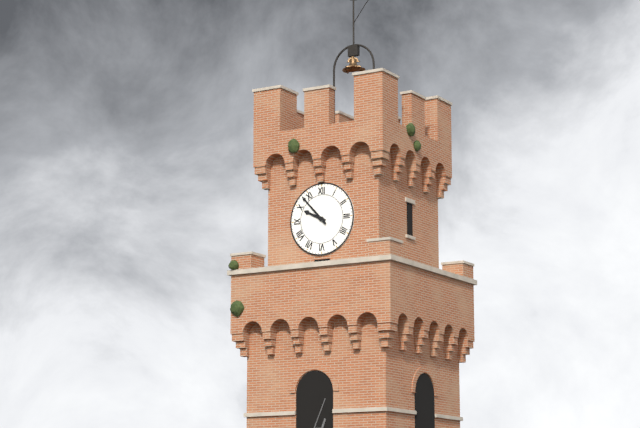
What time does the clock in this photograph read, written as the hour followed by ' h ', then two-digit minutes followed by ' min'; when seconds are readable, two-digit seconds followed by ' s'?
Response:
9 h 53 min
